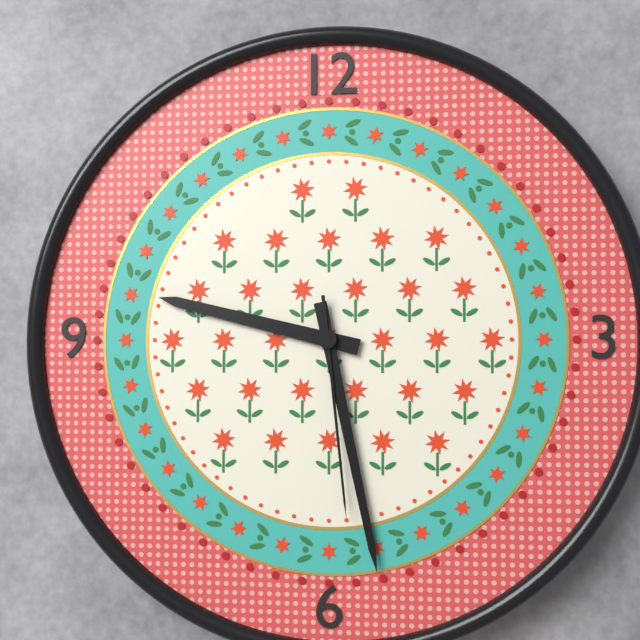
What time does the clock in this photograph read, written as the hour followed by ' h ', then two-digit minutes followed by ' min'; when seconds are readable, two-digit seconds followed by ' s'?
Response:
9 h 28 min 29 s
